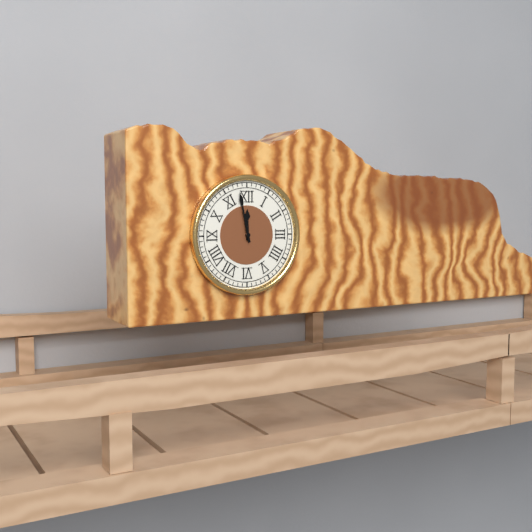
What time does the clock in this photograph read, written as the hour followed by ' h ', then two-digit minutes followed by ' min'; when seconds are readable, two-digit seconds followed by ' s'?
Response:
11 h 58 min
